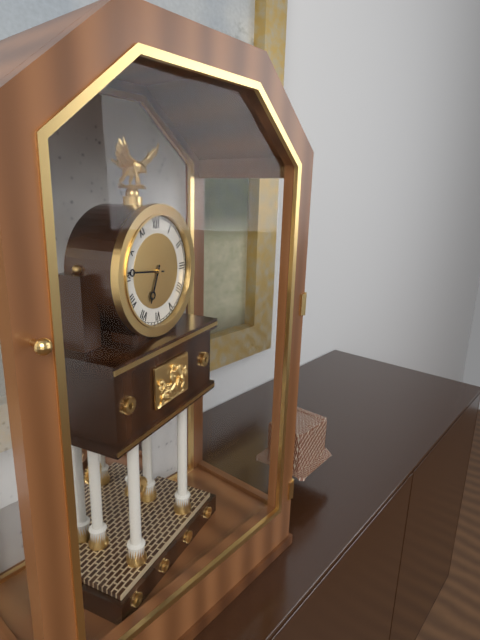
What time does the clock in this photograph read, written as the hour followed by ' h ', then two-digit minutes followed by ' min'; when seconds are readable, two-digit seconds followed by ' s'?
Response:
6 h 46 min
